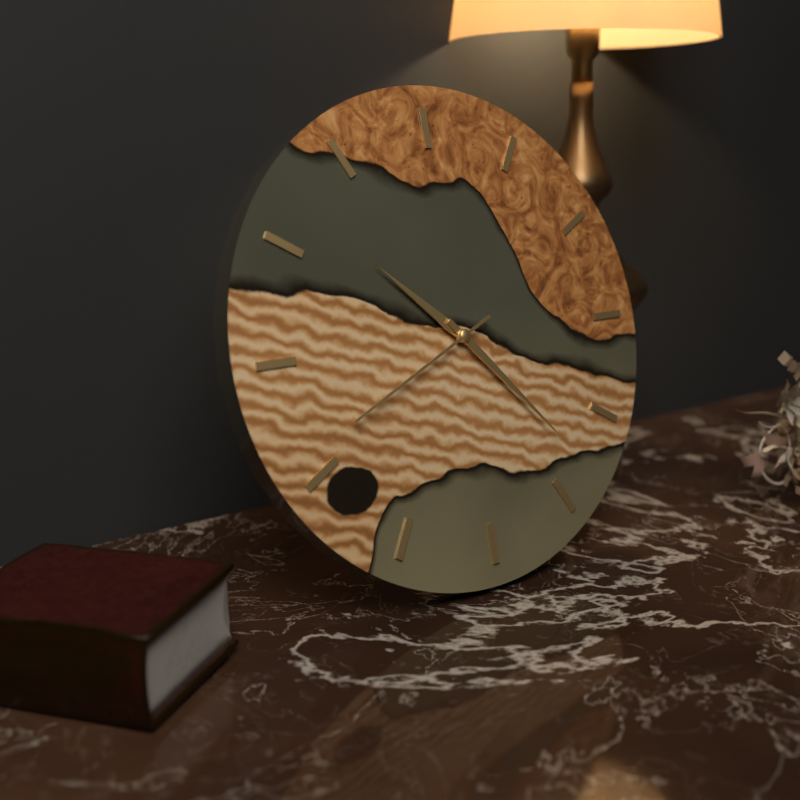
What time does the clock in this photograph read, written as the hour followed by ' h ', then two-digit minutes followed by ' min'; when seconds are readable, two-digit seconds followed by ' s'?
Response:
10 h 23 min 41 s
